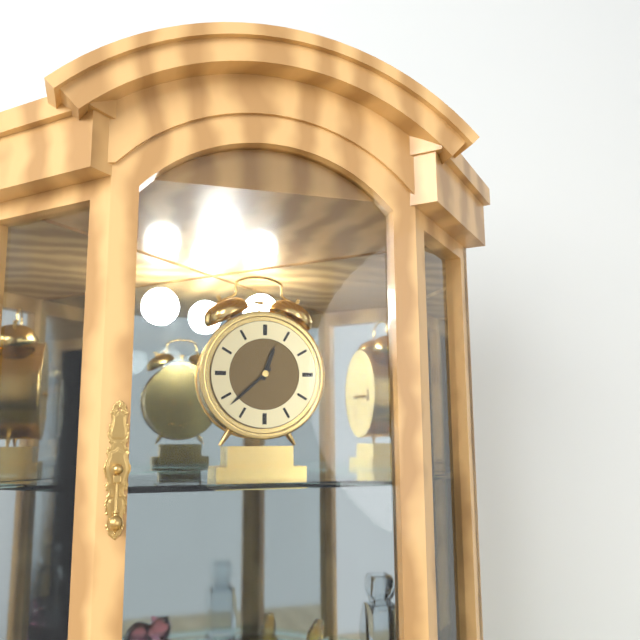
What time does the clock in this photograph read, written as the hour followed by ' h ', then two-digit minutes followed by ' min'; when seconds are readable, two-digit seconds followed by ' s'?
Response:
12 h 38 min
